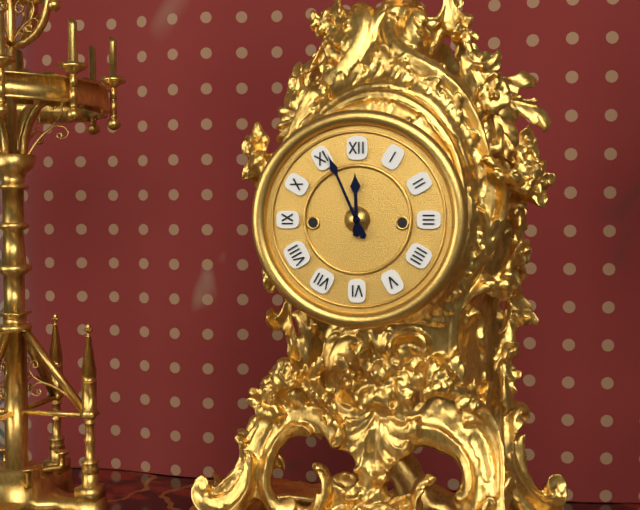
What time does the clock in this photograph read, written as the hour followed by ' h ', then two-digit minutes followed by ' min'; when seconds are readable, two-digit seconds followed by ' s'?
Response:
11 h 56 min
